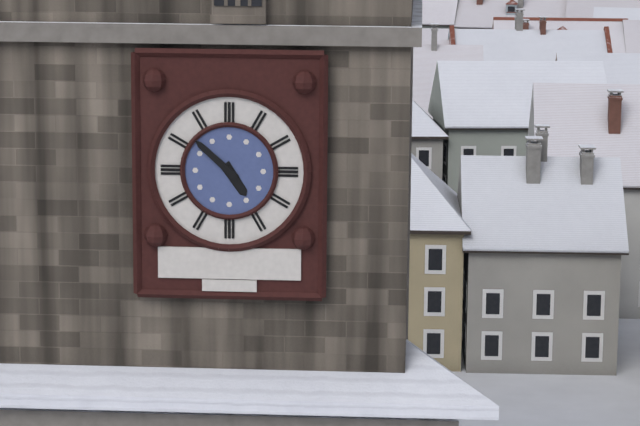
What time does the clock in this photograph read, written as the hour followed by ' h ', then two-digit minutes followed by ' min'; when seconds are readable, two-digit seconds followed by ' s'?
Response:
4 h 52 min
